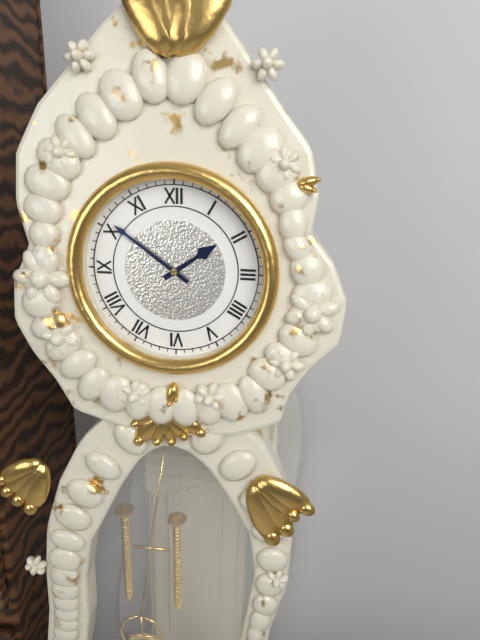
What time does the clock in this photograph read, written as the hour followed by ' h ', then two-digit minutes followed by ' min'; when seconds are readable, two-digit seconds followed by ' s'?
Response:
1 h 51 min
